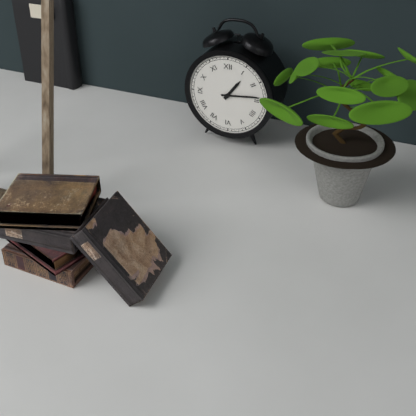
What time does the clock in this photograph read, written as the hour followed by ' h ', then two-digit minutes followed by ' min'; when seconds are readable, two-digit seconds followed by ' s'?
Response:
1 h 14 min
